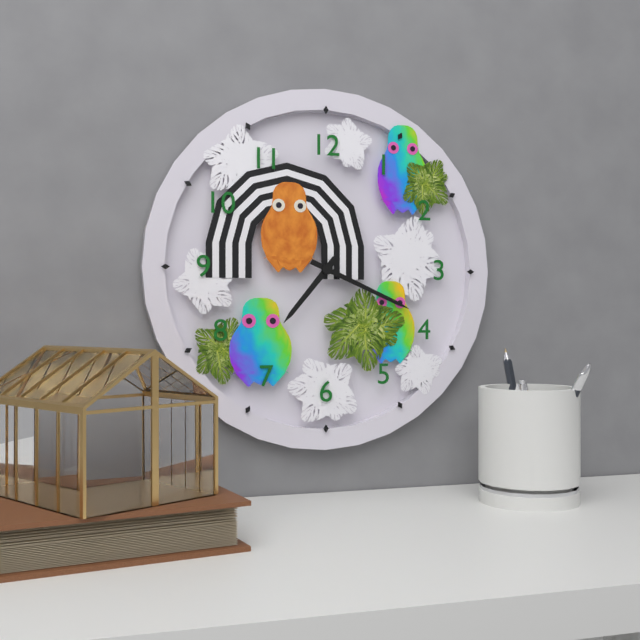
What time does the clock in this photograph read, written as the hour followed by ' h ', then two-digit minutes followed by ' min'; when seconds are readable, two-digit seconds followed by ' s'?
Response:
7 h 19 min
